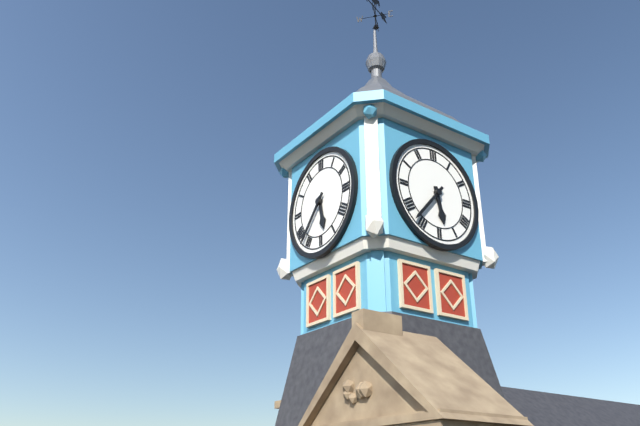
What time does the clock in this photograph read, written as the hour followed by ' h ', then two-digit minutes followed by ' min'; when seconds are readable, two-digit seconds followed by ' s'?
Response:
5 h 37 min
